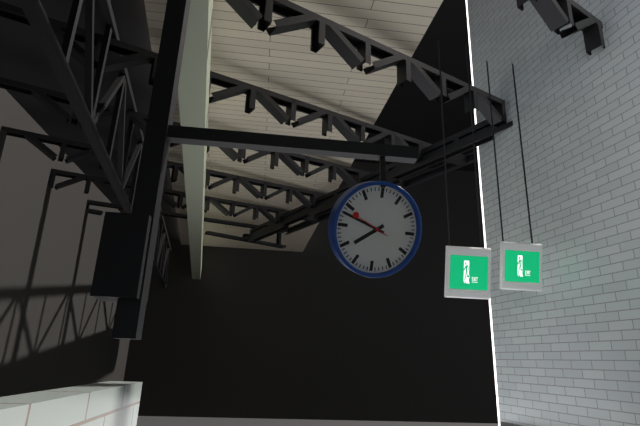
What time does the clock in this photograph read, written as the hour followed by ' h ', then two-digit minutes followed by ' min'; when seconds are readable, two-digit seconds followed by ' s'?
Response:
7 h 48 min
